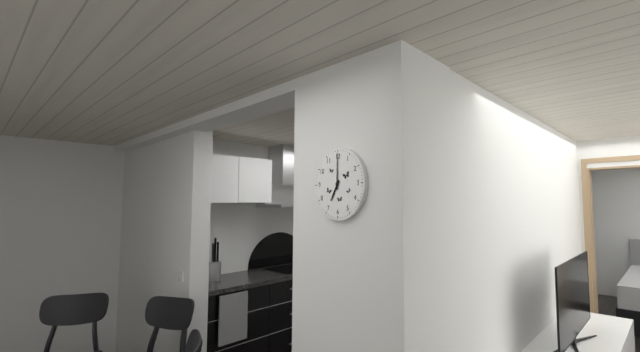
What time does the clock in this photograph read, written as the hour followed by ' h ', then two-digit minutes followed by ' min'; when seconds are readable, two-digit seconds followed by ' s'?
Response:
7 h 00 min
